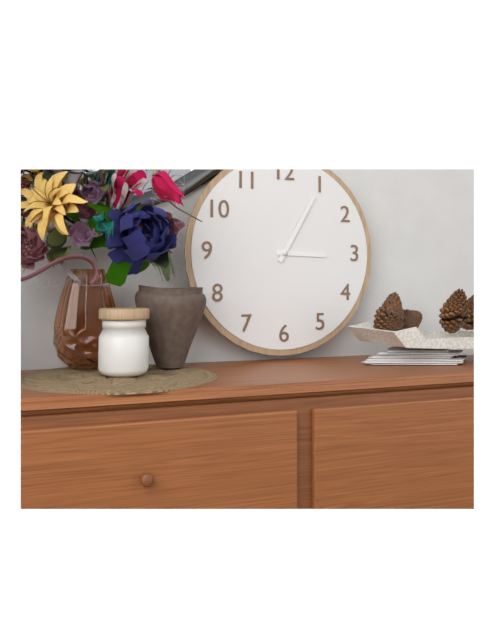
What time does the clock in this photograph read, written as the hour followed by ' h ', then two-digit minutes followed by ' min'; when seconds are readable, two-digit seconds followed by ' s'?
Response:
3 h 05 min
